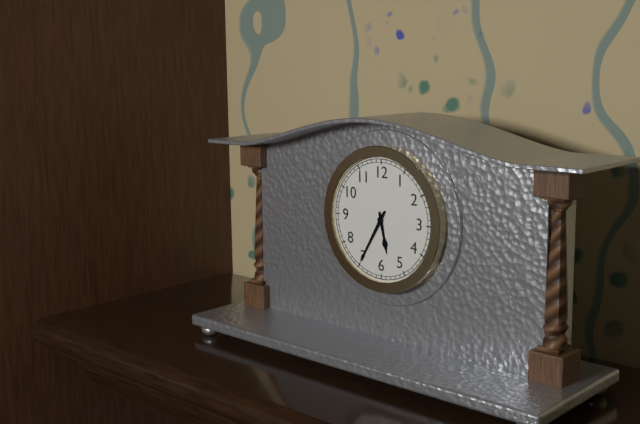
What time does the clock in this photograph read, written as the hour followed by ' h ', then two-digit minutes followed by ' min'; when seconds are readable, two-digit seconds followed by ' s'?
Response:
5 h 35 min
